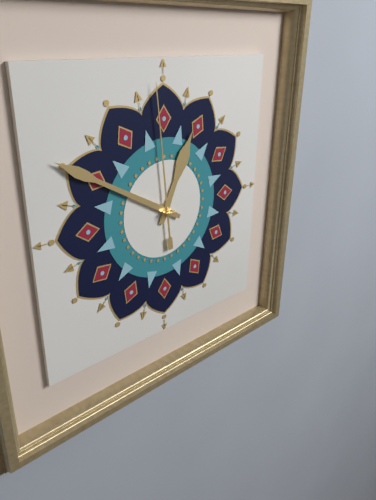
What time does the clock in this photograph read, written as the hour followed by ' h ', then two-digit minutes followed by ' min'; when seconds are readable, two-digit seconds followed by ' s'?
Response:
12 h 50 min 59 s
